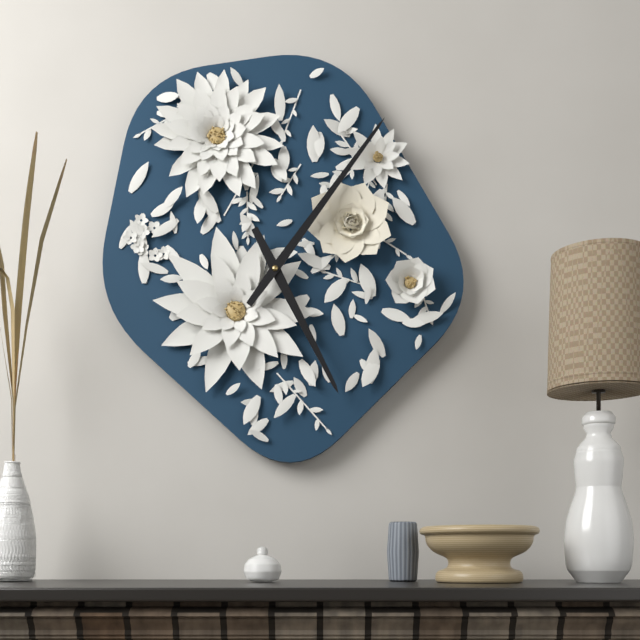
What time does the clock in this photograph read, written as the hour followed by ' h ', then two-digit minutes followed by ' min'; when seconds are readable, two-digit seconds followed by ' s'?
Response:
5 h 06 min
